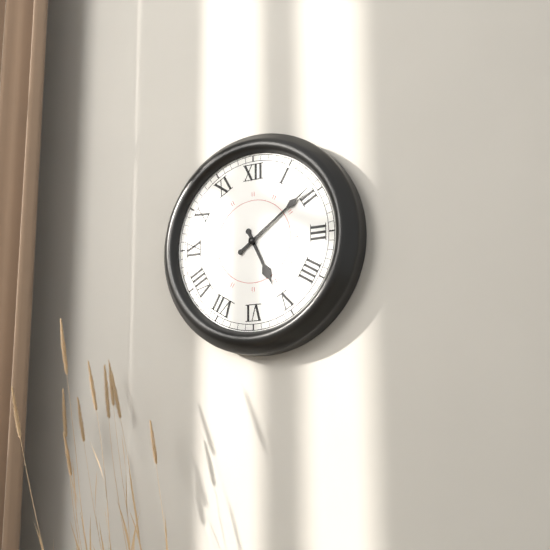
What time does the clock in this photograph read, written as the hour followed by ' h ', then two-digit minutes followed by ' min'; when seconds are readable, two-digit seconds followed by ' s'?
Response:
5 h 09 min
